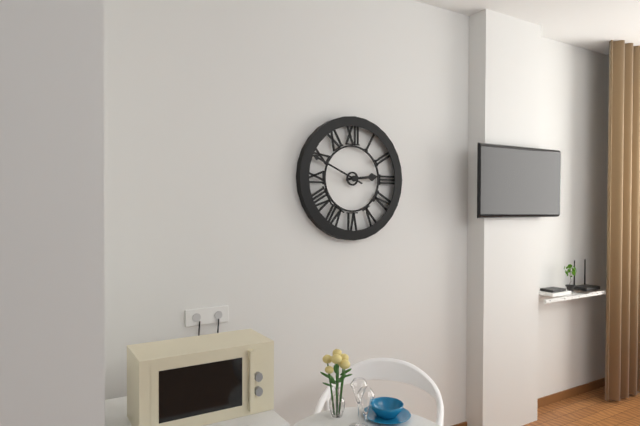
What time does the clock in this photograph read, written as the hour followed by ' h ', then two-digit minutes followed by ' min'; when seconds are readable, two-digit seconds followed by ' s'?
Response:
2 h 49 min
